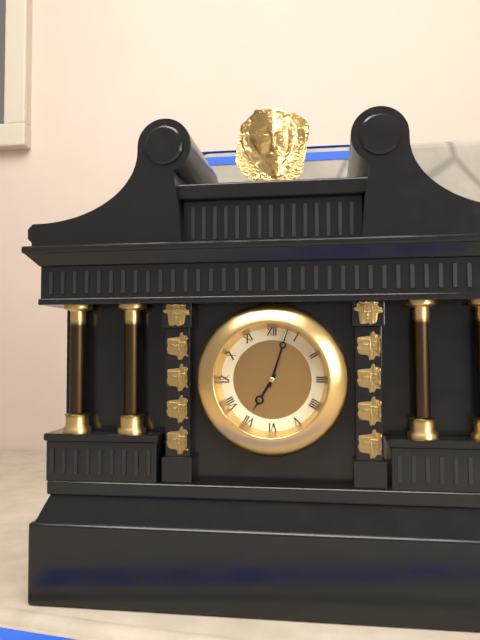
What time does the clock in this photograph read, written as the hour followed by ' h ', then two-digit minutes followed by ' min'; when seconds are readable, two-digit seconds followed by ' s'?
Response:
7 h 03 min
